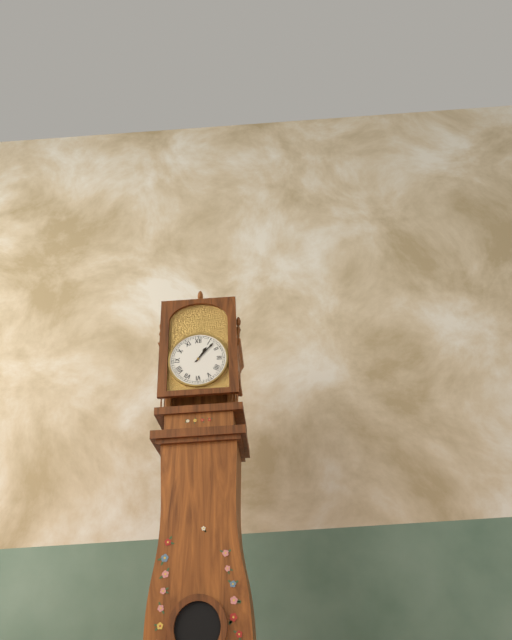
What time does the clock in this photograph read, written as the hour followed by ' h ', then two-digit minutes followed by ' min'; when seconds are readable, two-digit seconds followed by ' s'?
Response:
1 h 07 min
